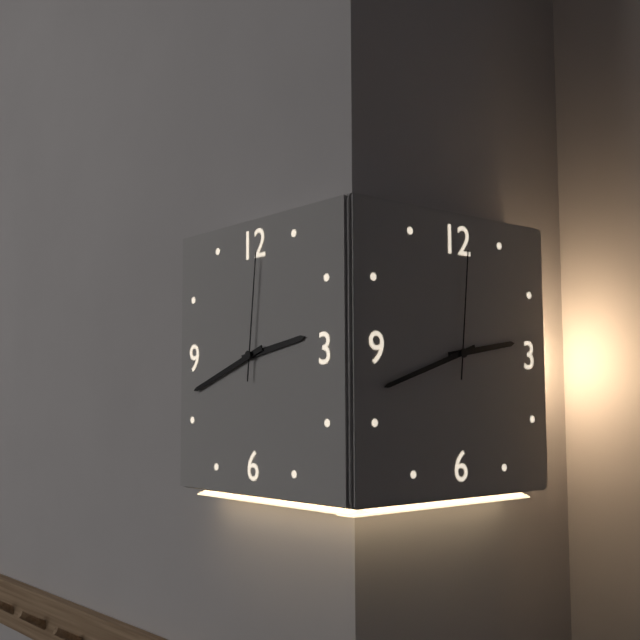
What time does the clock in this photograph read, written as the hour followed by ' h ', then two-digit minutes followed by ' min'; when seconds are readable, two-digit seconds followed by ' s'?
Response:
2 h 42 min 01 s
